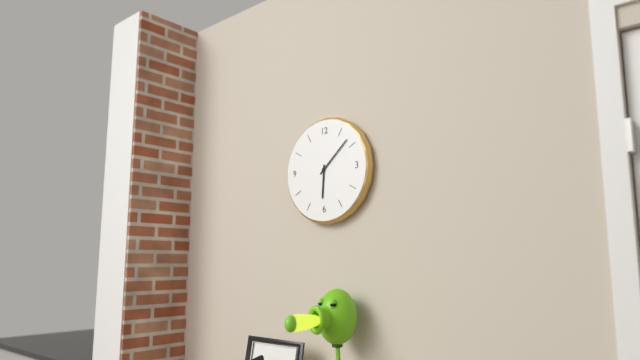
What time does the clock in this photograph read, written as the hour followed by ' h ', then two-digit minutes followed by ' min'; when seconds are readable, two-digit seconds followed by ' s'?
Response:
6 h 08 min
